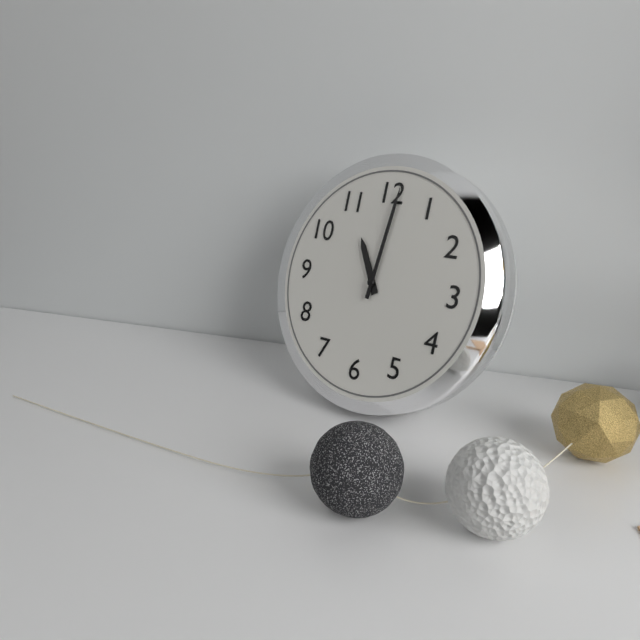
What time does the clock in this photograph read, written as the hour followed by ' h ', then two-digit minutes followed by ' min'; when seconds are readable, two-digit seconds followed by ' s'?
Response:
11 h 01 min
